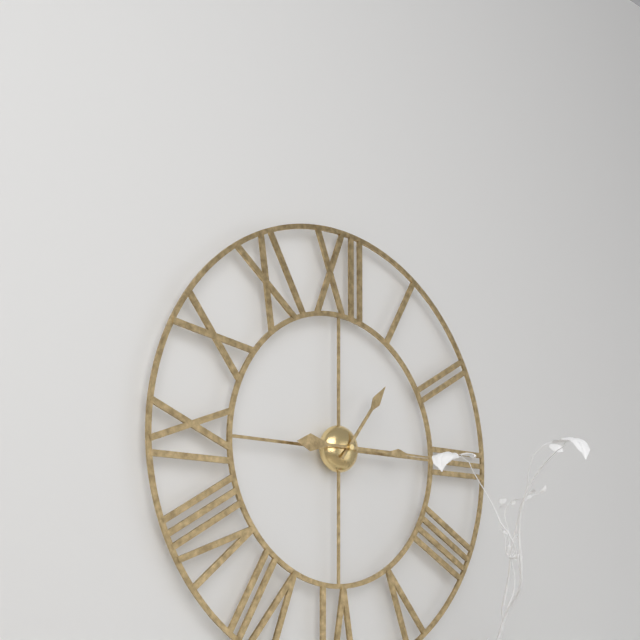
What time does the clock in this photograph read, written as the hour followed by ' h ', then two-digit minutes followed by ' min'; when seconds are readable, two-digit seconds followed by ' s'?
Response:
1 h 15 min
